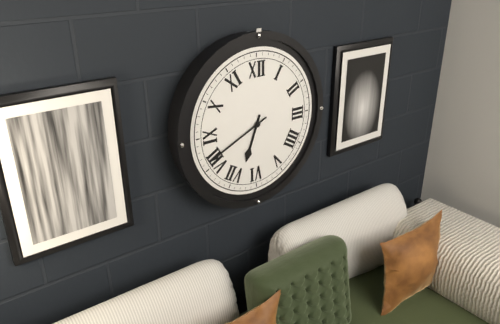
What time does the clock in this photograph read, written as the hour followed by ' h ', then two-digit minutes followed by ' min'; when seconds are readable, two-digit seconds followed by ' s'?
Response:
6 h 41 min
